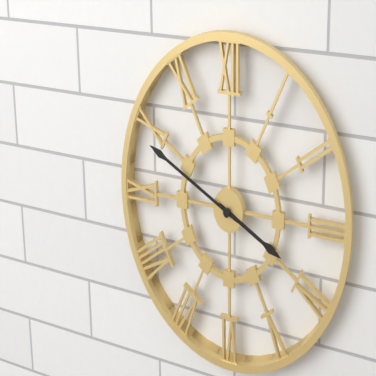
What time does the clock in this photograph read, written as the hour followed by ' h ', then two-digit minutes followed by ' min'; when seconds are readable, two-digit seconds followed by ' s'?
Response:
3 h 49 min
